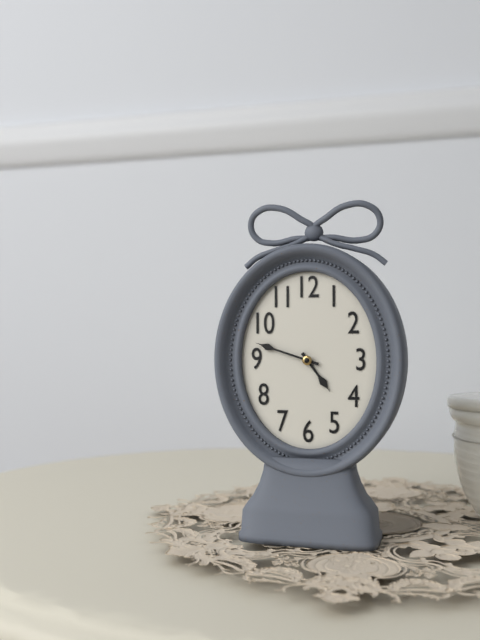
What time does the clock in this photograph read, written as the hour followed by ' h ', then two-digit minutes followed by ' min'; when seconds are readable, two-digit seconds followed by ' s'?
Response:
4 h 48 min
